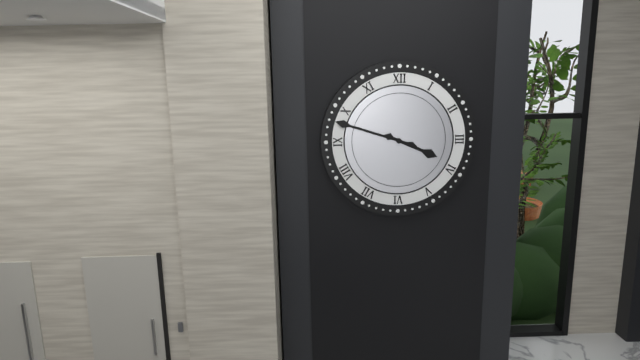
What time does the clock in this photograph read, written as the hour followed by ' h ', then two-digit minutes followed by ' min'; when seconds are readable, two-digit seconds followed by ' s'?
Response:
3 h 48 min
